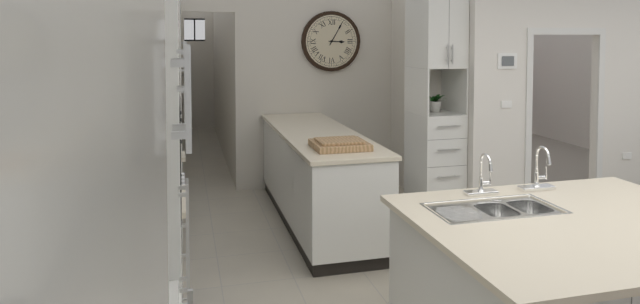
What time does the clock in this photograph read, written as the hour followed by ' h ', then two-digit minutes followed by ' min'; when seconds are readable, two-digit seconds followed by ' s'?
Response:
3 h 05 min
